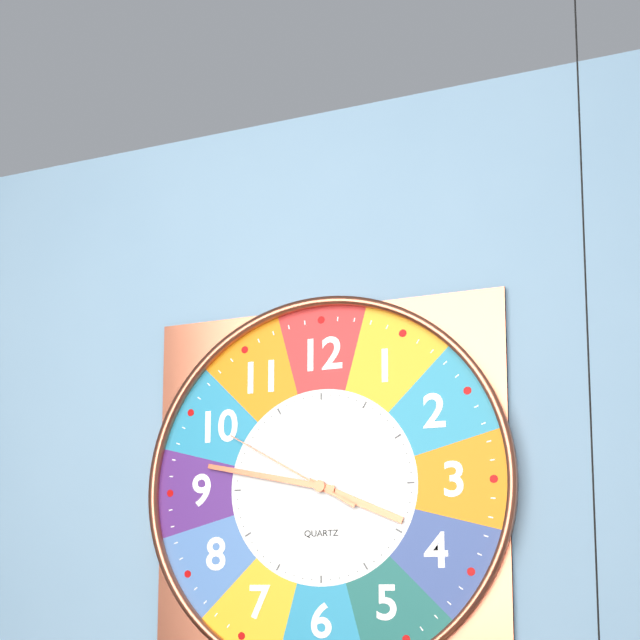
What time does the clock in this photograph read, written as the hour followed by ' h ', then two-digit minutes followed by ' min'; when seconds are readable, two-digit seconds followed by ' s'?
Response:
3 h 47 min 50 s
